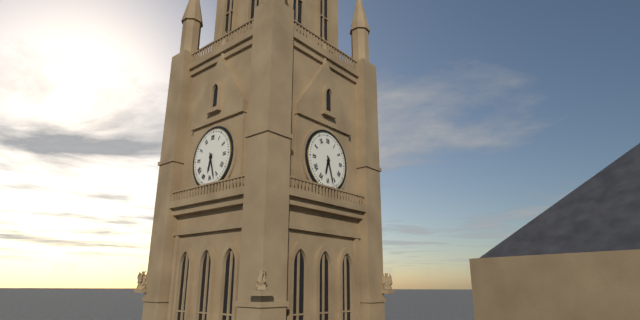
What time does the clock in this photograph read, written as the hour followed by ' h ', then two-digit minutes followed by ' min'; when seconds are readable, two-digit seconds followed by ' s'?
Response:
6 h 27 min
